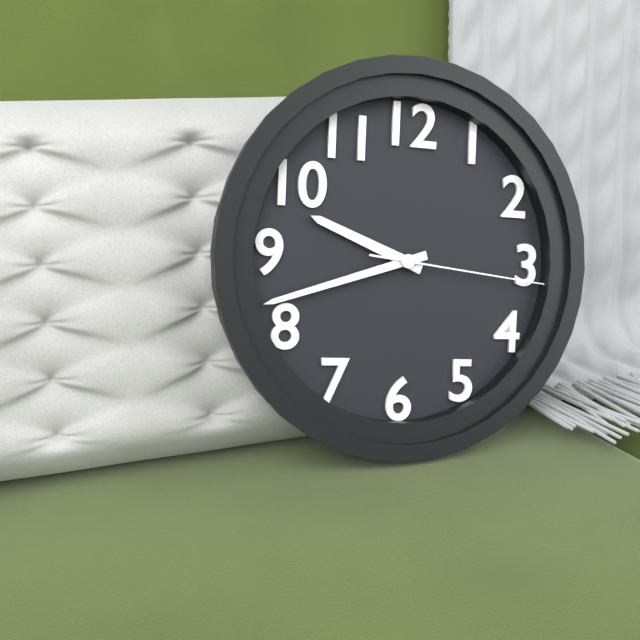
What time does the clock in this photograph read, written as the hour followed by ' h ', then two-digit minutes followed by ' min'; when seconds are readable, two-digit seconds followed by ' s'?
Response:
9 h 42 min 16 s
